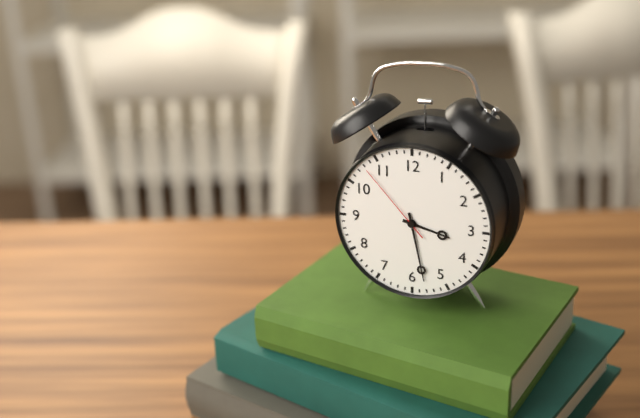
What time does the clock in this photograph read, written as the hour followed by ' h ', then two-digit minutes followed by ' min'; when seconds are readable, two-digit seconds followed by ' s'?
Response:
3 h 28 min 53 s
